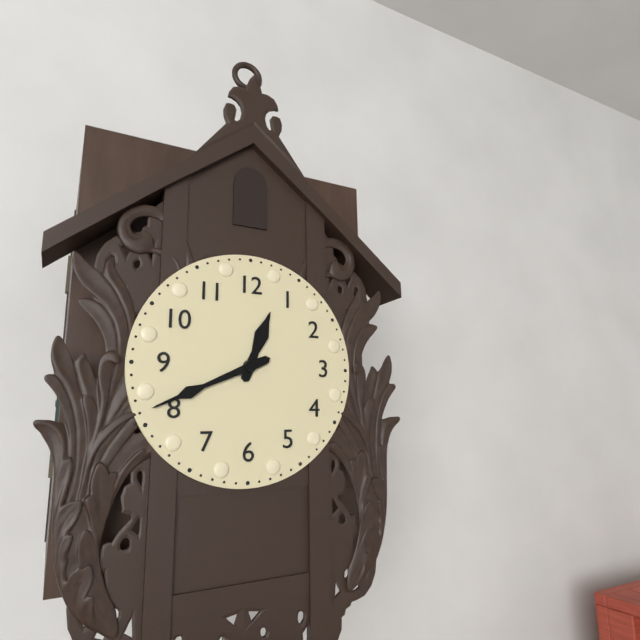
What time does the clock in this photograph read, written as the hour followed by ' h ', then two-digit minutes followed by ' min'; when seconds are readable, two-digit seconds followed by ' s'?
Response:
12 h 41 min
